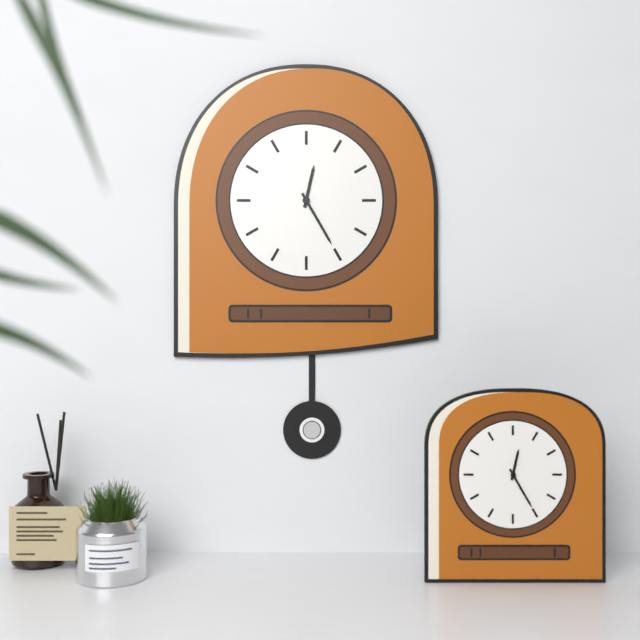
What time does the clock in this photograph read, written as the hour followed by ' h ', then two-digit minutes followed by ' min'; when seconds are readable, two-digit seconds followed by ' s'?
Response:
12 h 25 min
